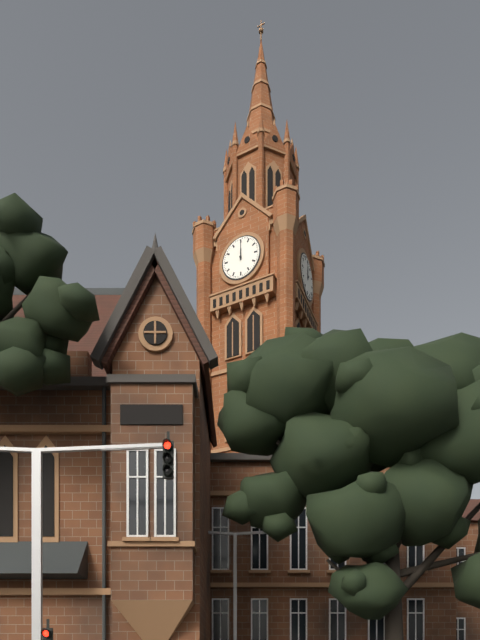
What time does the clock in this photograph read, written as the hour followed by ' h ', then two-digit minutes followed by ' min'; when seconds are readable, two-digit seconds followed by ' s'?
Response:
12 h 00 min
